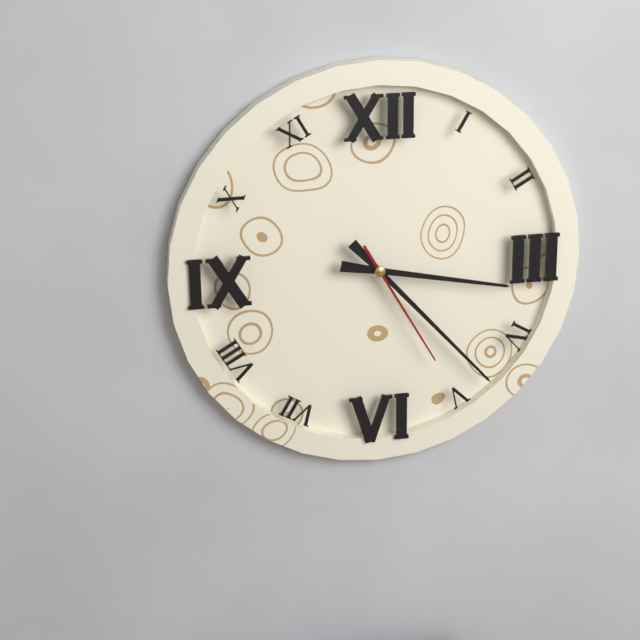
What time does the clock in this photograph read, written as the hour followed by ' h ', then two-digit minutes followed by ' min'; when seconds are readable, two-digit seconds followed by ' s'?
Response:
3 h 23 min 25 s
